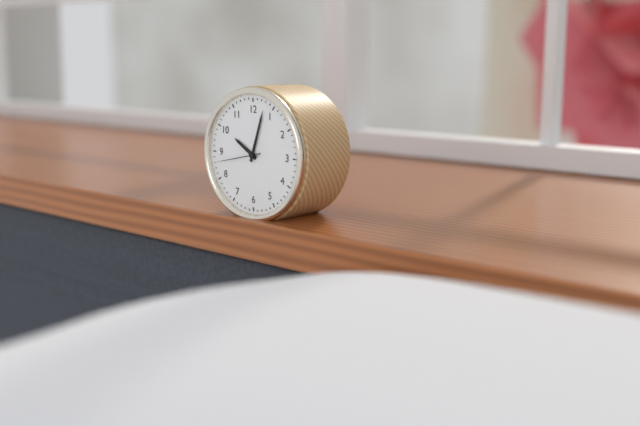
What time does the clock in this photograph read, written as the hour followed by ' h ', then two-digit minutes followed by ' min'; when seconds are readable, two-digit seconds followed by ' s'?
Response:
10 h 03 min
